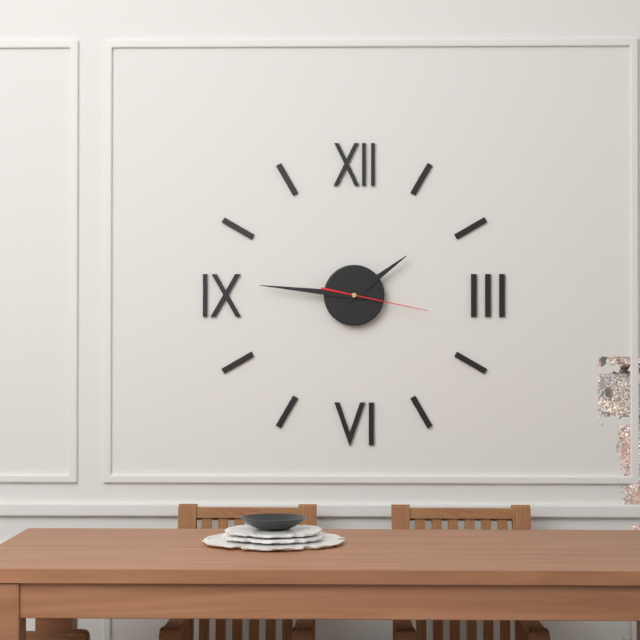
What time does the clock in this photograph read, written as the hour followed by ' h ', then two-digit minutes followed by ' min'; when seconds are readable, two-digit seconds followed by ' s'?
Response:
1 h 46 min 17 s
